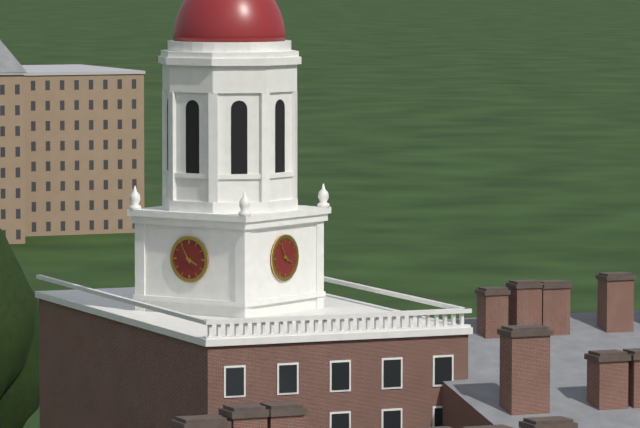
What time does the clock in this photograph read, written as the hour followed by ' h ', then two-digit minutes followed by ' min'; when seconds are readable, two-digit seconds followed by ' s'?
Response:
3 h 55 min
